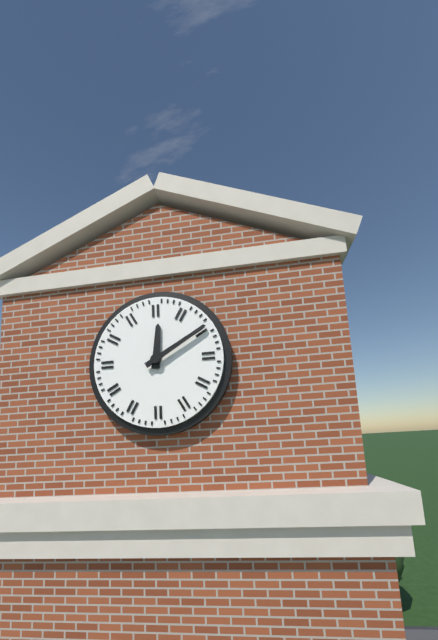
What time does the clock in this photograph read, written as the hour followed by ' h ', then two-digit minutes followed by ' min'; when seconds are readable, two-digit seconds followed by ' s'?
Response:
12 h 10 min
